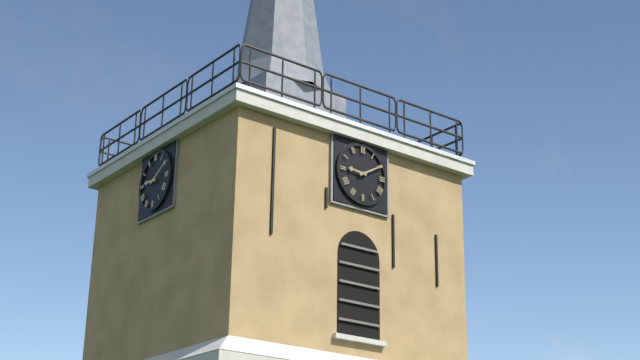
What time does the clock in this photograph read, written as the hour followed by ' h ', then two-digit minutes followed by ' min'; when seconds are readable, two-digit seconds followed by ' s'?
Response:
9 h 10 min
